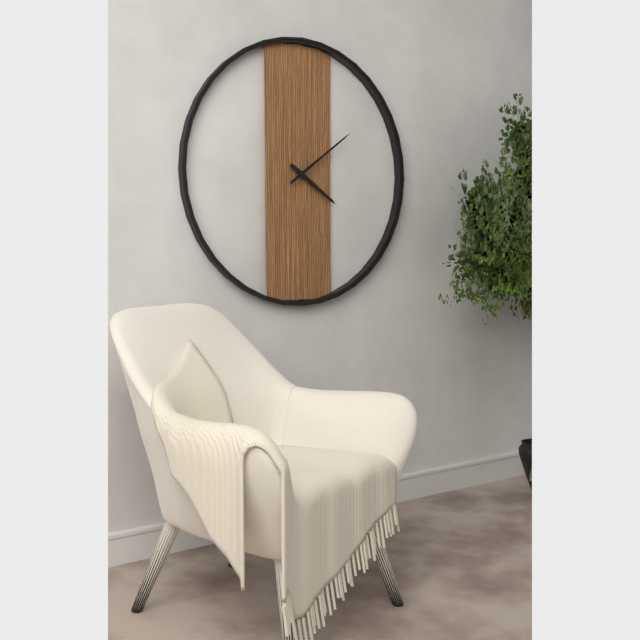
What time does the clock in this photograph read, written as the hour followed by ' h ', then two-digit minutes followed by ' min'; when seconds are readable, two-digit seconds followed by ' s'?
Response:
4 h 09 min
